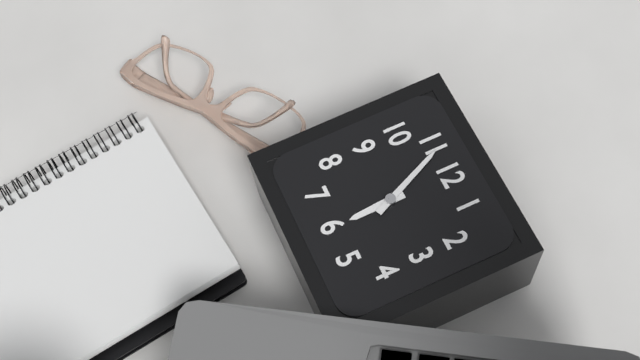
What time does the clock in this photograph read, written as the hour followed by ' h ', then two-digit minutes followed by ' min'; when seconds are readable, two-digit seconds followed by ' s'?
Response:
5 h 56 min
